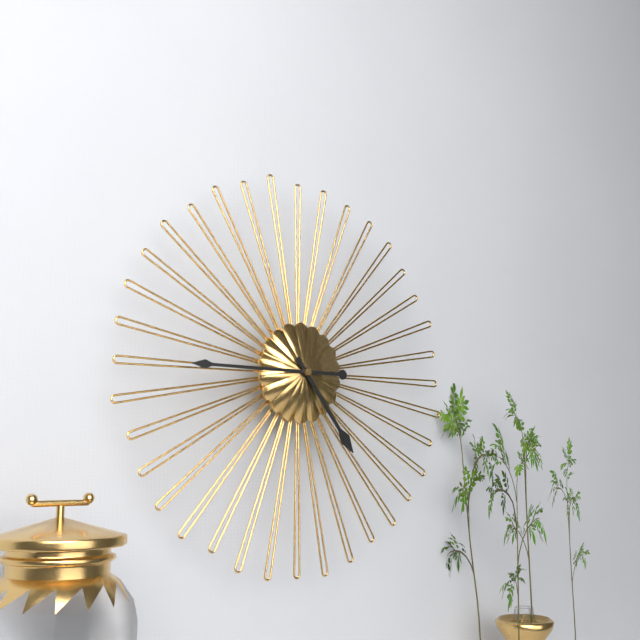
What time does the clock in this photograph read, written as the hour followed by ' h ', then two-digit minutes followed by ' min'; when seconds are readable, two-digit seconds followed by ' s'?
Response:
4 h 45 min
